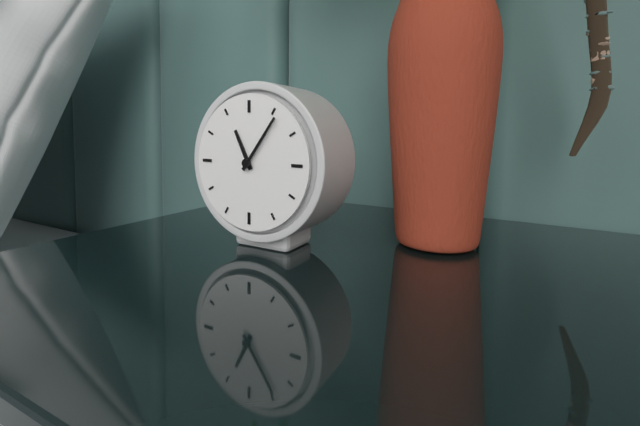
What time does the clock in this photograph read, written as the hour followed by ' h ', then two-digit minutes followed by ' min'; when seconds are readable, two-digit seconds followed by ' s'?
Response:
11 h 06 min
